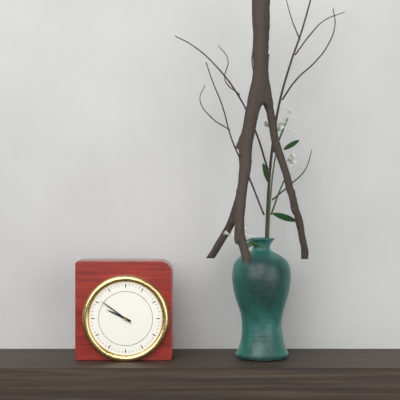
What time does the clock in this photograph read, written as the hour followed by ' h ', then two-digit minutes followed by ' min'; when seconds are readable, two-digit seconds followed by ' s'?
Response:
9 h 51 min
